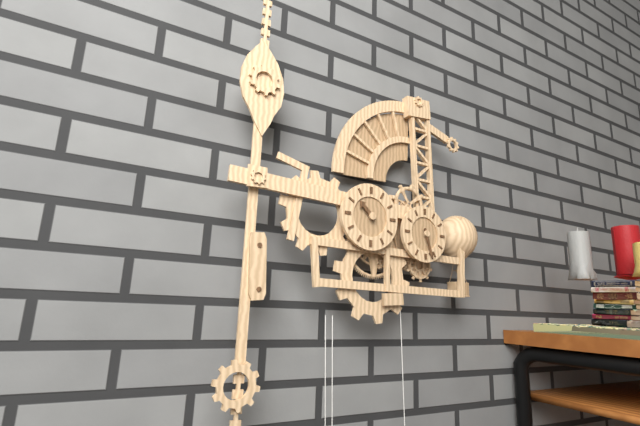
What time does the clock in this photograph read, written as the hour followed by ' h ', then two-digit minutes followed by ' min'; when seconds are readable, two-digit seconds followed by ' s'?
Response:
10 h 27 min
